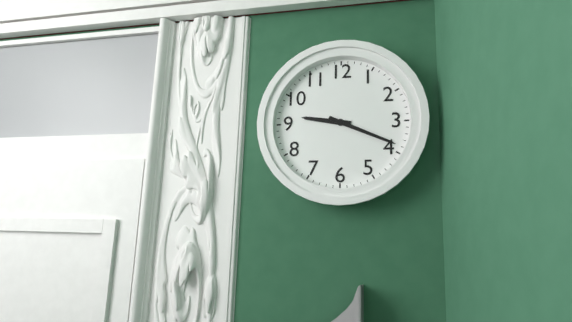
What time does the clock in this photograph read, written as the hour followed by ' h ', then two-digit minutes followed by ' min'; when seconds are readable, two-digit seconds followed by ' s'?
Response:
9 h 19 min
